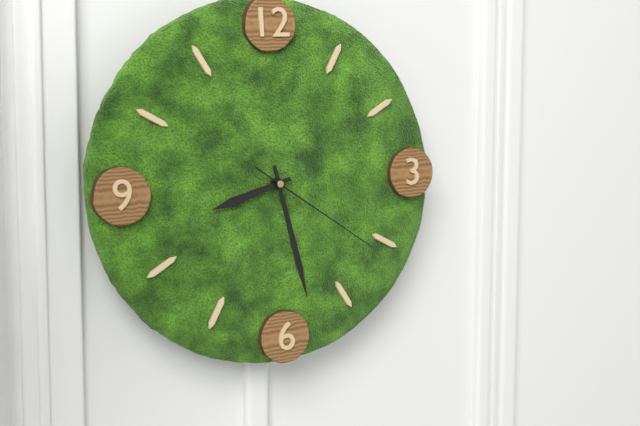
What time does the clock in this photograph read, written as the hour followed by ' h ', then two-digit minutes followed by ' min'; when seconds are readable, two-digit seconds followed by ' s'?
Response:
8 h 28 min 21 s
